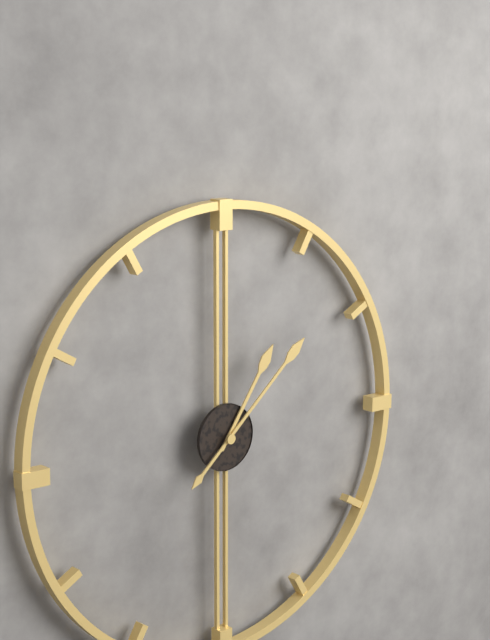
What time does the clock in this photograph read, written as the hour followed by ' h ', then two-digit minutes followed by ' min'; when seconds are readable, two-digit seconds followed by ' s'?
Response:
1 h 08 min
